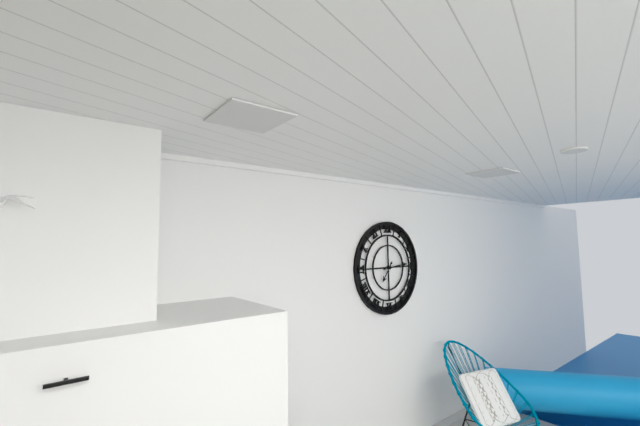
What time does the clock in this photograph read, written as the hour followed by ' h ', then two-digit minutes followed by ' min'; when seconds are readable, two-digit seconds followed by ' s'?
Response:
7 h 14 min
